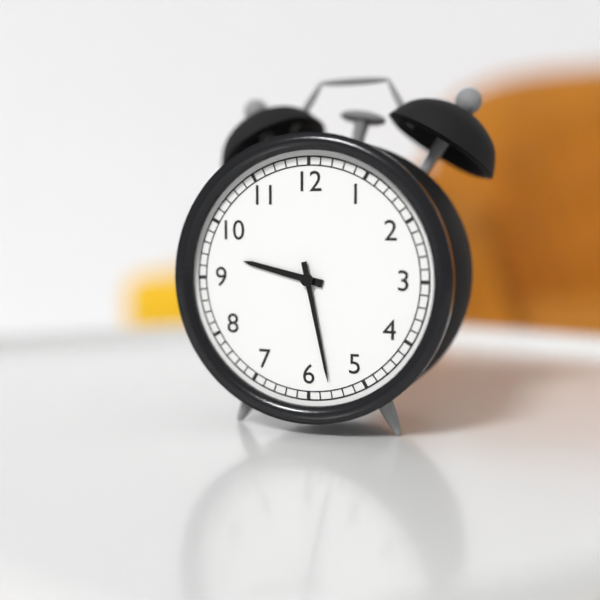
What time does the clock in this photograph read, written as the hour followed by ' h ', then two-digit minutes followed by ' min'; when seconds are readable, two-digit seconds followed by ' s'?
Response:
9 h 28 min
